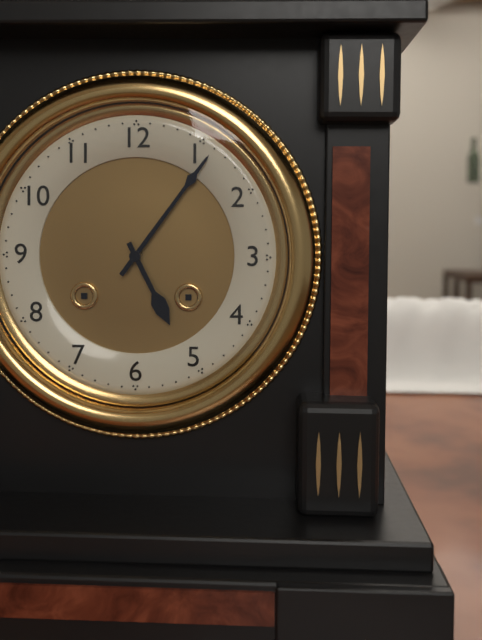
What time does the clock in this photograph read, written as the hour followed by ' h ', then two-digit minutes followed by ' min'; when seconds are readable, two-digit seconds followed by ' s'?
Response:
5 h 06 min
